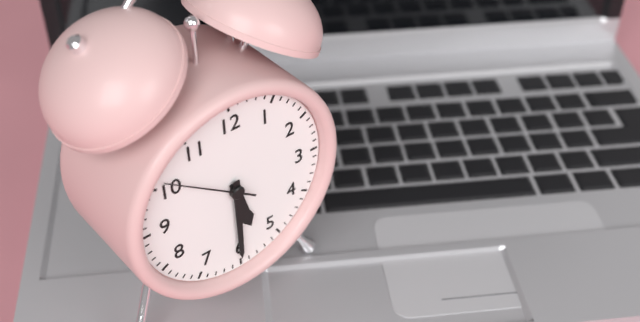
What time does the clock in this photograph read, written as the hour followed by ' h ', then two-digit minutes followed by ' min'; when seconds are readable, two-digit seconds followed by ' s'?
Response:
5 h 30 min 51 s
